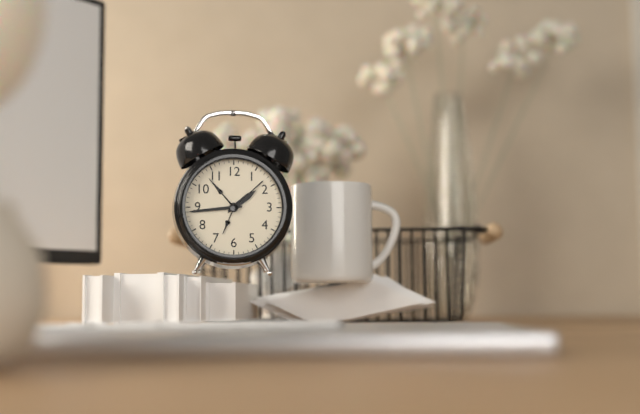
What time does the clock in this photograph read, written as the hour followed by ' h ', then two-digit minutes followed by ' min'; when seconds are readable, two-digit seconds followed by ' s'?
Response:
1 h 44 min
